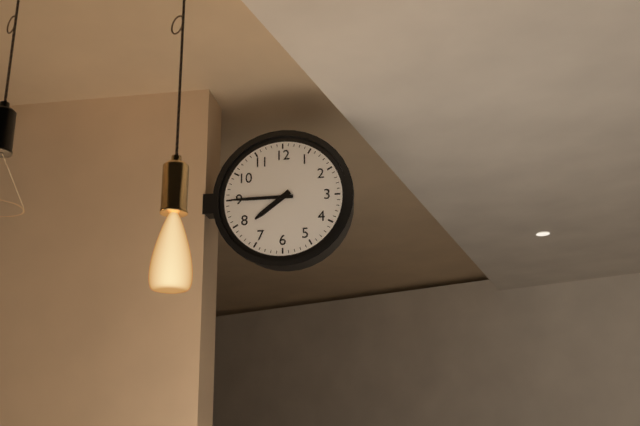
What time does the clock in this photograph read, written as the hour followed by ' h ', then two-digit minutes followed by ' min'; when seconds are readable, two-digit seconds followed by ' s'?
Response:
7 h 45 min
